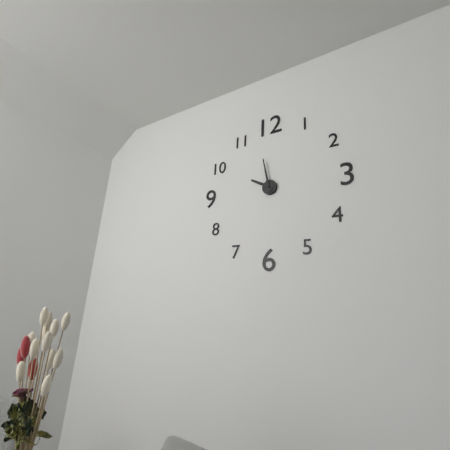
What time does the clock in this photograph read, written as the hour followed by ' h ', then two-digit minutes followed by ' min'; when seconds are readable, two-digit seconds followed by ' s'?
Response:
9 h 58 min
